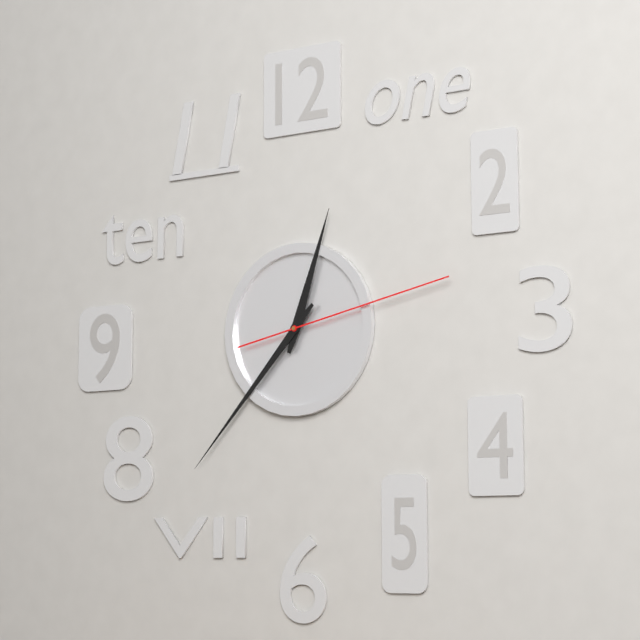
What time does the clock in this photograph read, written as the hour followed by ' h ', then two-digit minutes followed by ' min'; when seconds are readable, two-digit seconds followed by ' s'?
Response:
12 h 37 min 13 s
